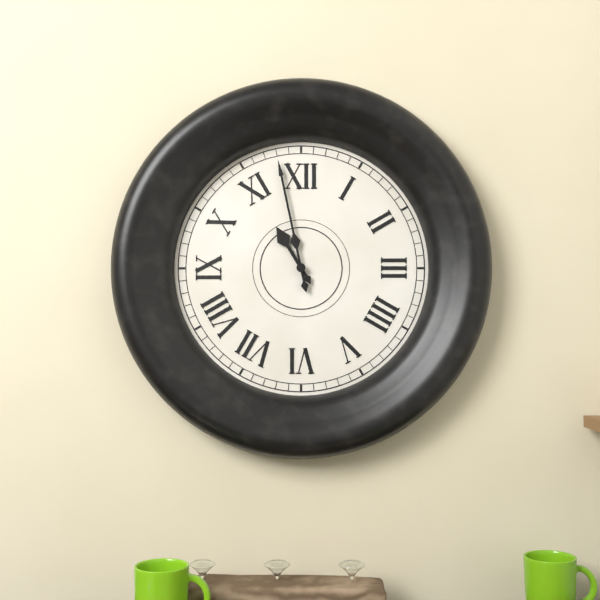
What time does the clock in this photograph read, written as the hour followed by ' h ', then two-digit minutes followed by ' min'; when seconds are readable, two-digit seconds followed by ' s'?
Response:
10 h 58 min
